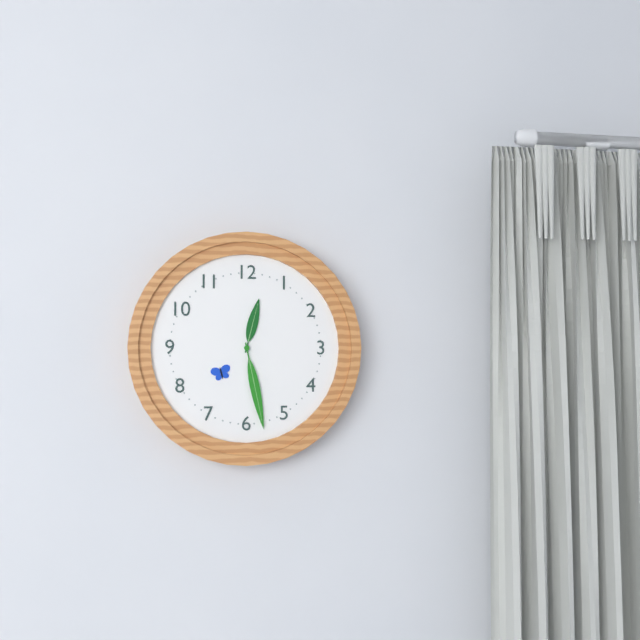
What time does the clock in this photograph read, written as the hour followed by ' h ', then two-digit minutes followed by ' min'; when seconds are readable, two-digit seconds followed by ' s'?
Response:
12 h 28 min
